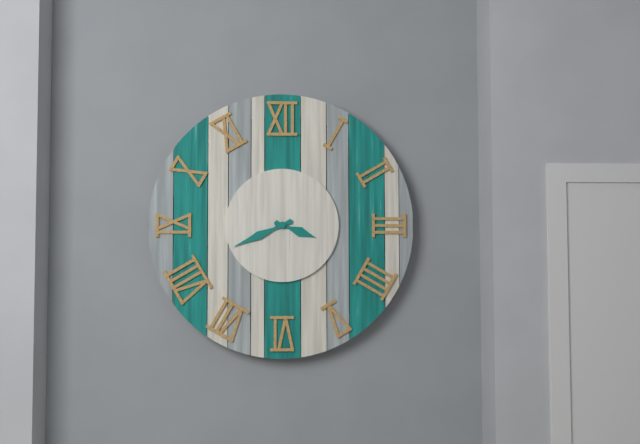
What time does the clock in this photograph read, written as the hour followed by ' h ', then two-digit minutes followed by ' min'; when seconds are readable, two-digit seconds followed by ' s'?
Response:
3 h 41 min
